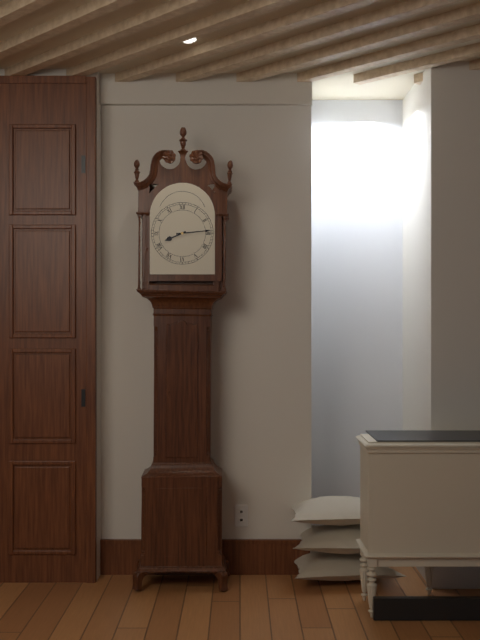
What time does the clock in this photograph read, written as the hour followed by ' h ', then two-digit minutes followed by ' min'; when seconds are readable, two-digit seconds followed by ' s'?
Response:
8 h 14 min
